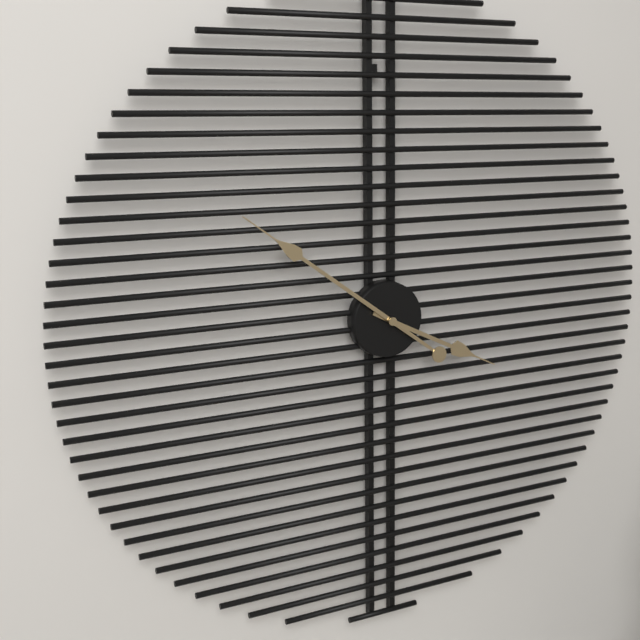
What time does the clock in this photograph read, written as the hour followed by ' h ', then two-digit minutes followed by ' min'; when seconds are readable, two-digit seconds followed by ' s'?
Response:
3 h 51 min
